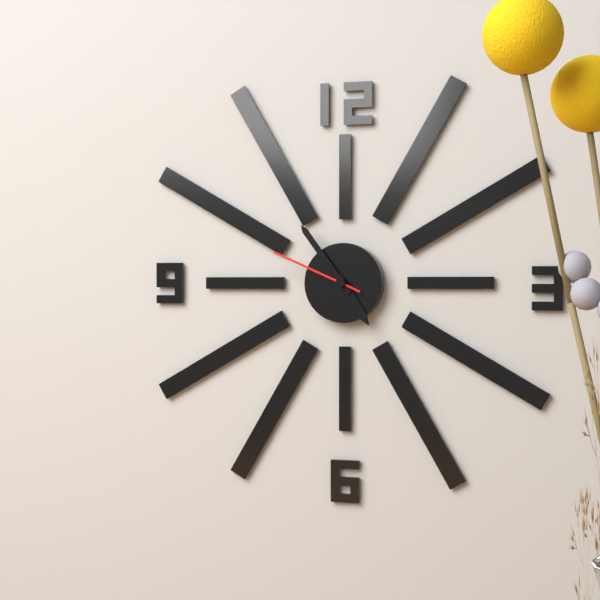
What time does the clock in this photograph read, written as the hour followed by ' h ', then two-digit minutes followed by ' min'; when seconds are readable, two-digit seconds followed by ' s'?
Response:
4 h 54 min 49 s
